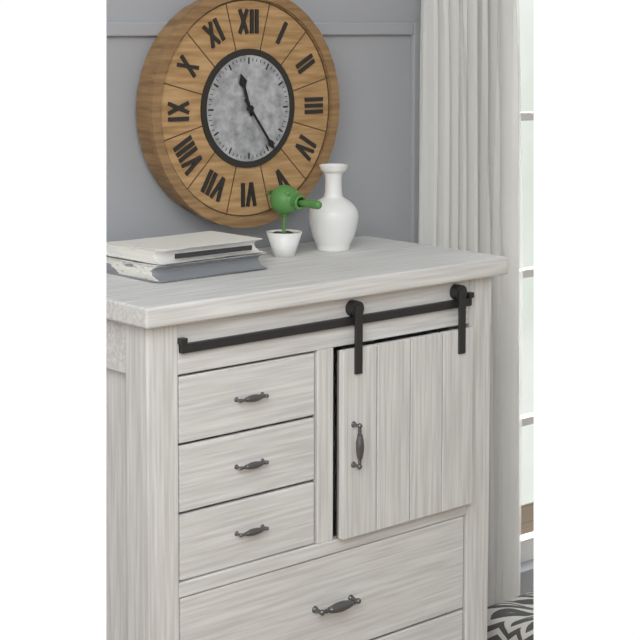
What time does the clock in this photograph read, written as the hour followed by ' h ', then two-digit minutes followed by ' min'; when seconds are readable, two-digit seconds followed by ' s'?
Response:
11 h 24 min
